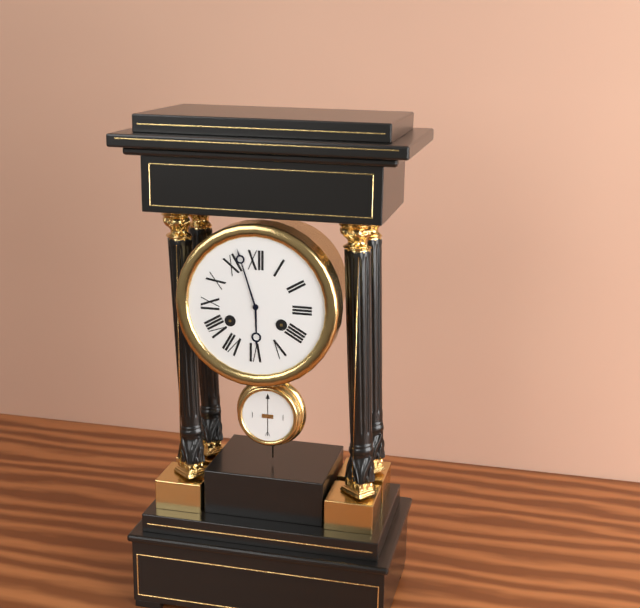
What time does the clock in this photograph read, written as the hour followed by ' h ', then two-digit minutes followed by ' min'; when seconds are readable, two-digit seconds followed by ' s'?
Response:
5 h 57 min
